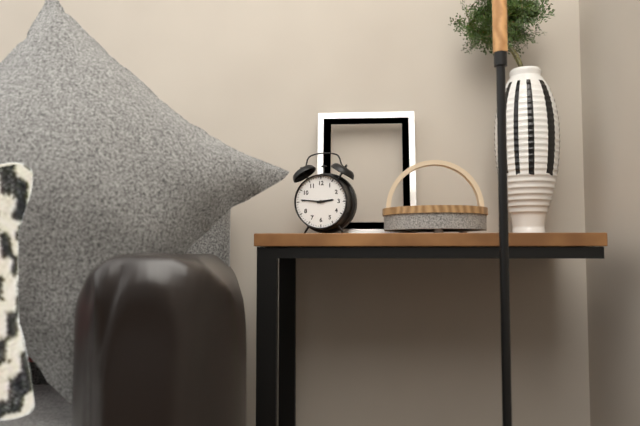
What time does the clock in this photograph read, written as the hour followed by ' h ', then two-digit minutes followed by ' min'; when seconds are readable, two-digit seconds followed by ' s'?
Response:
2 h 46 min
